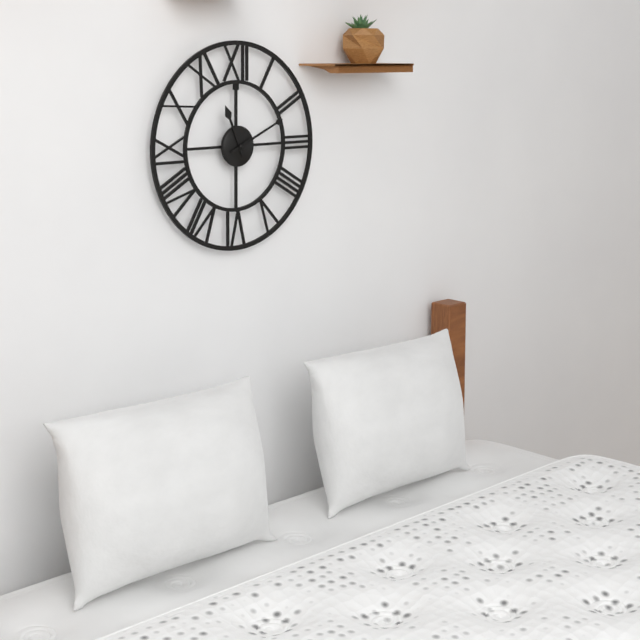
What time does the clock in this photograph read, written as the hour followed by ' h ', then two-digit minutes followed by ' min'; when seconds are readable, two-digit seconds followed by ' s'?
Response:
11 h 11 min
